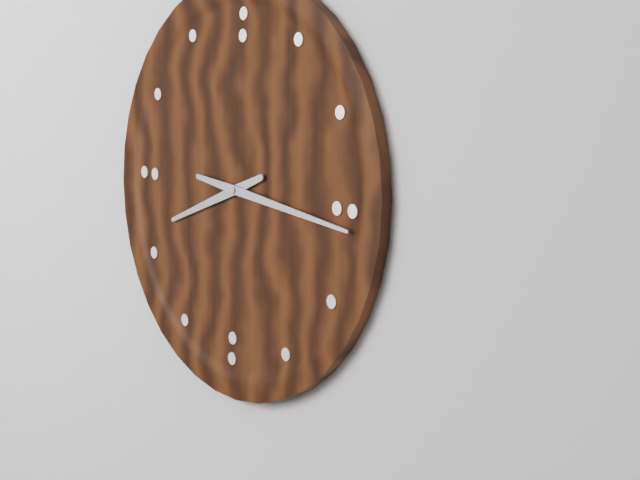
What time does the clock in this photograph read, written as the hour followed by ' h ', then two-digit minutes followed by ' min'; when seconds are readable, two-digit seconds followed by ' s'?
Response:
8 h 16 min
